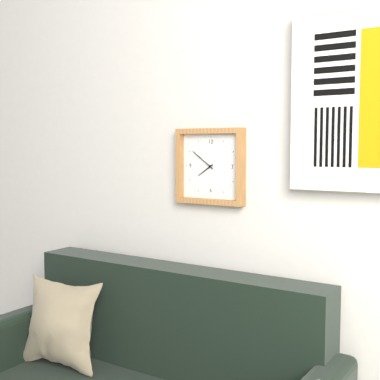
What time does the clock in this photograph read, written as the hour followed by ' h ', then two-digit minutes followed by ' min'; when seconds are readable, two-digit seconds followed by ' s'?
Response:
7 h 51 min
